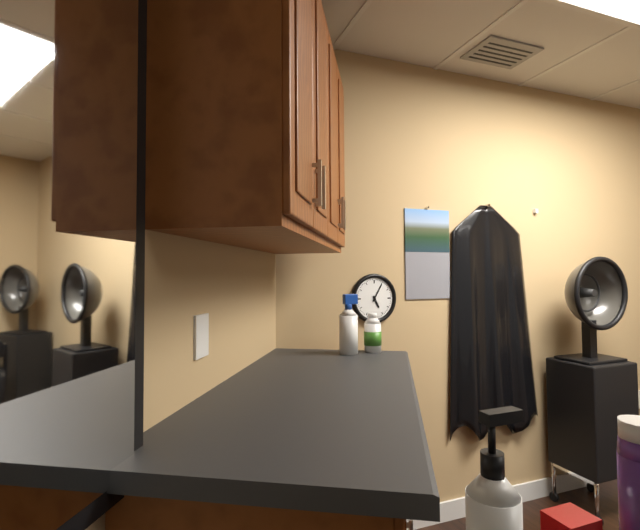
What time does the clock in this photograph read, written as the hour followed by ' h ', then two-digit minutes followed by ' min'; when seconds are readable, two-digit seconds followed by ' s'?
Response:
5 h 05 min
